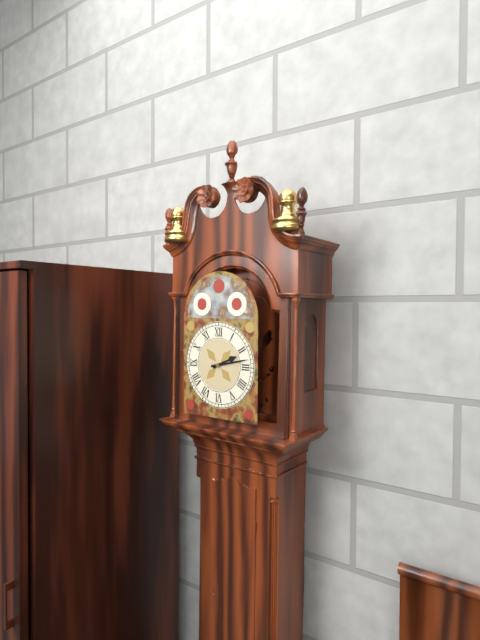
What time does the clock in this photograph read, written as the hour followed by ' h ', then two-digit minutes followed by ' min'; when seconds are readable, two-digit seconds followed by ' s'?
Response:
2 h 13 min
